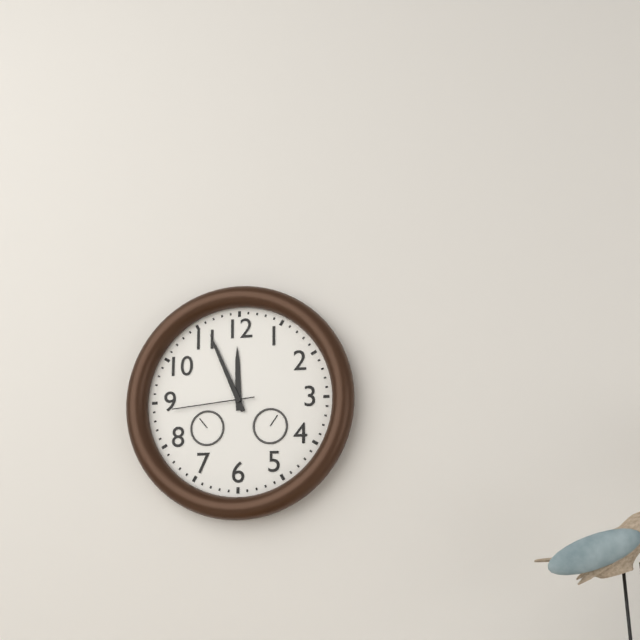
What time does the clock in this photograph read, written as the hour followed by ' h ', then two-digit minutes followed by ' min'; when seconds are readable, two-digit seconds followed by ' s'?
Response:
11 h 56 min 44 s
